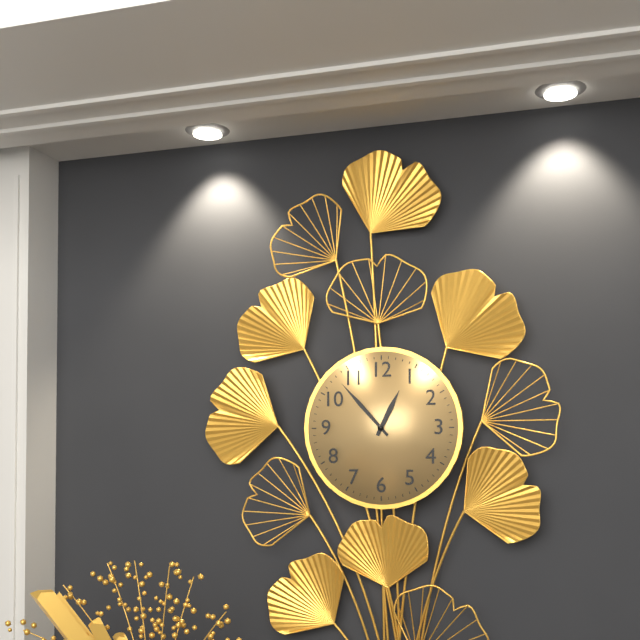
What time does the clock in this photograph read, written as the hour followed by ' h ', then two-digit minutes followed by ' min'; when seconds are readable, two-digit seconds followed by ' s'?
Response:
12 h 53 min
